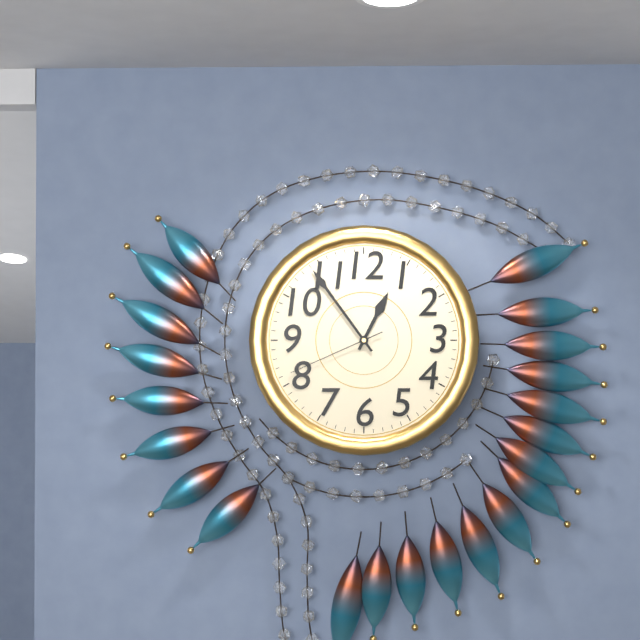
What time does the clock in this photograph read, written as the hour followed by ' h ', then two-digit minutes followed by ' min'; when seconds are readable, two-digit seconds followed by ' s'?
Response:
12 h 54 min 41 s
